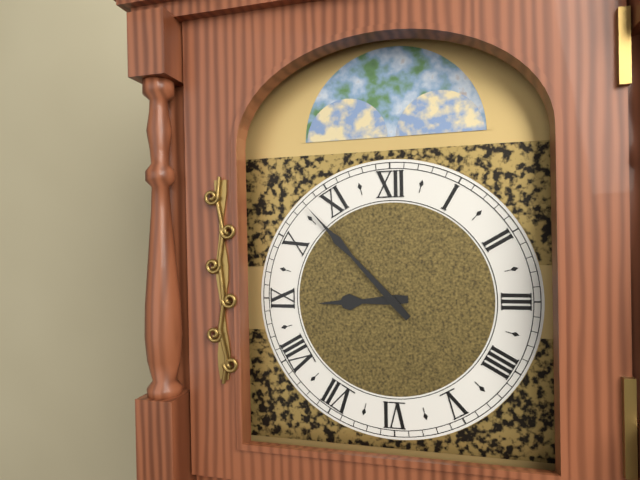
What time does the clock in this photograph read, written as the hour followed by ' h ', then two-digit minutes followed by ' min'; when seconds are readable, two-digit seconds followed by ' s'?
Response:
8 h 53 min
